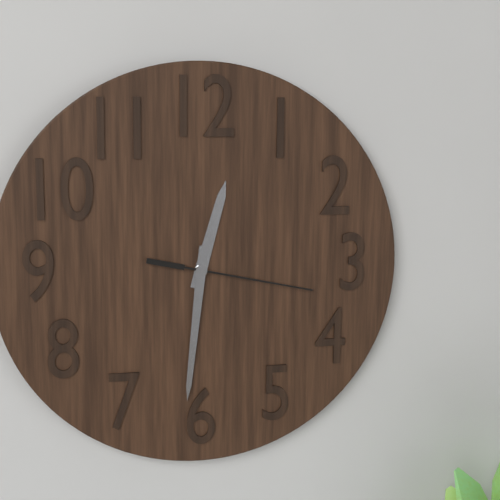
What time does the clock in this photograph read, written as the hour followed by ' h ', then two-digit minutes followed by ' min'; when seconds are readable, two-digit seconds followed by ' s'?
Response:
12 h 31 min 17 s
